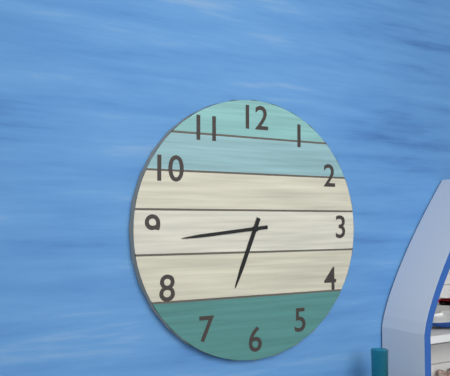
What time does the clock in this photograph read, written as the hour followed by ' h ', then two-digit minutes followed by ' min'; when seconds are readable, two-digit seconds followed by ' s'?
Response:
6 h 44 min
